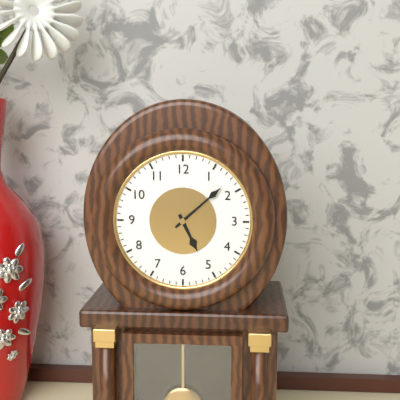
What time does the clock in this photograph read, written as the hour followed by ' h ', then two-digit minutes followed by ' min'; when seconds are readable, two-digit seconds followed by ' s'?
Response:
5 h 08 min
